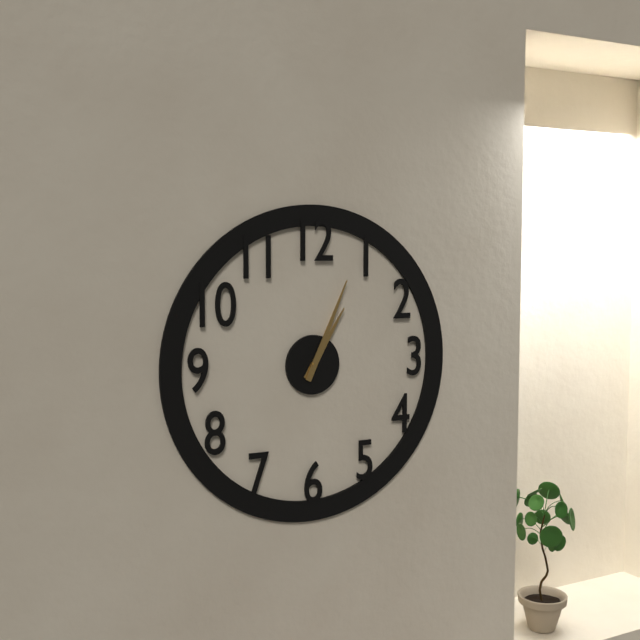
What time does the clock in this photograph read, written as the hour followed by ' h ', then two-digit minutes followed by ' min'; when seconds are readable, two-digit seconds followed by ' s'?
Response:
1 h 04 min
